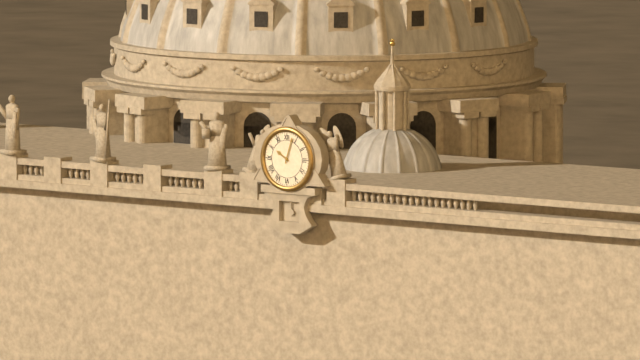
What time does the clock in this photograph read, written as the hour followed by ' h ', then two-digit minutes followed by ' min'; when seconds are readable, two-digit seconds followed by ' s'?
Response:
10 h 03 min
